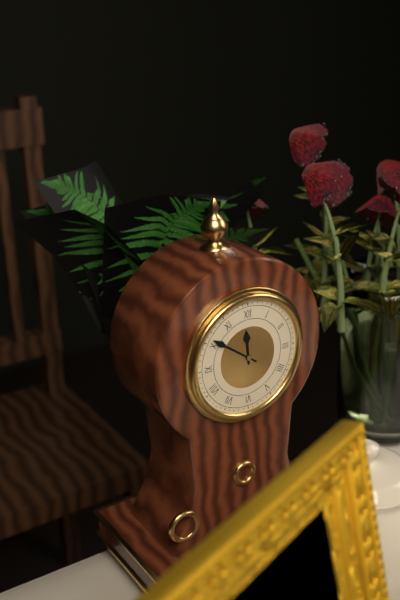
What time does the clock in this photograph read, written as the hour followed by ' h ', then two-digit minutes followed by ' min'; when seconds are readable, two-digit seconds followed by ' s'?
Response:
11 h 51 min
